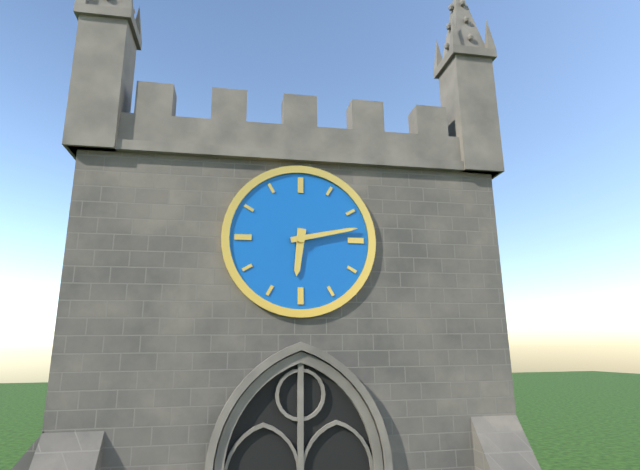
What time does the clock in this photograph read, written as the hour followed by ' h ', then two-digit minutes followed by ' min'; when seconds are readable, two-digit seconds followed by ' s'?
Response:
6 h 13 min
